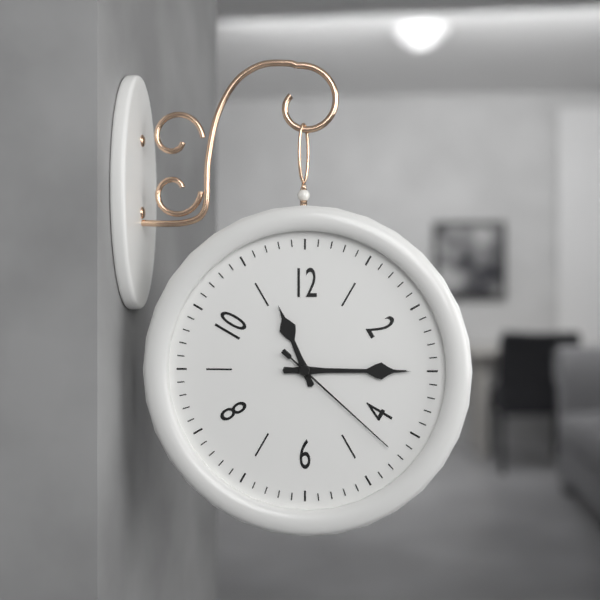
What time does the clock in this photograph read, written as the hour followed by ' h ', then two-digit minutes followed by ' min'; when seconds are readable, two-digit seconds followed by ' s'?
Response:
11 h 15 min 22 s
